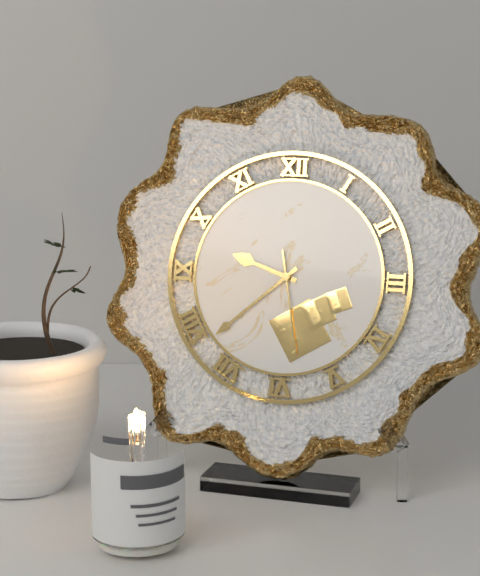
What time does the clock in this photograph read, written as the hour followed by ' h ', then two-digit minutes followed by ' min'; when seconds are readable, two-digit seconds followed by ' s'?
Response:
9 h 38 min 28 s
